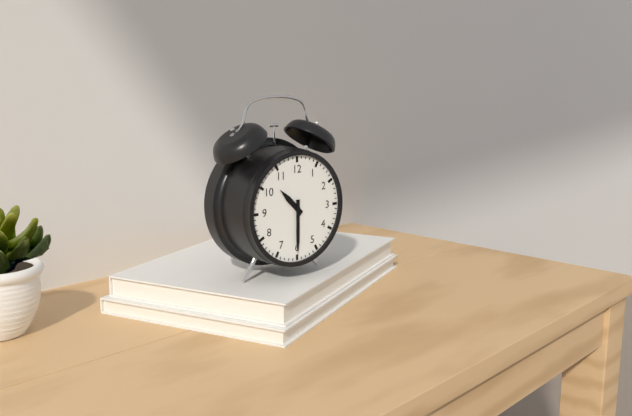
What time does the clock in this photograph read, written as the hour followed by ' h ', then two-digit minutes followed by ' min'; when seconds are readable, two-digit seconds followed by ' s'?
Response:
10 h 30 min
